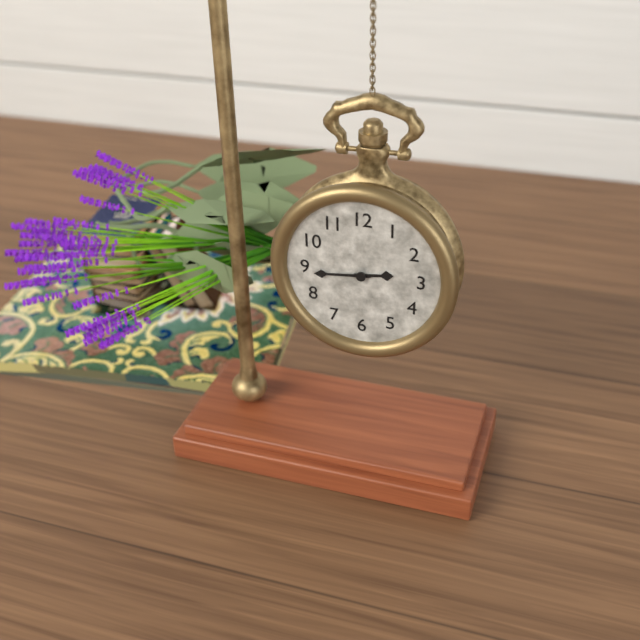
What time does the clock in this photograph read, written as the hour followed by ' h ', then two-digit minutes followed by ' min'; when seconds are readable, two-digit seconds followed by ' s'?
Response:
2 h 44 min
